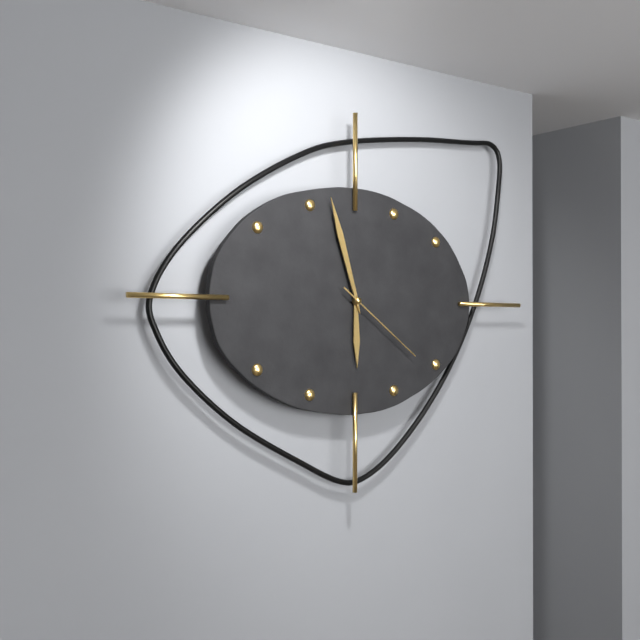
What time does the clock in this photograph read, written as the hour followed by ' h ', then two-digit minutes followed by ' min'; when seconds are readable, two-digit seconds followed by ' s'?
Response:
5 h 57 min 21 s
